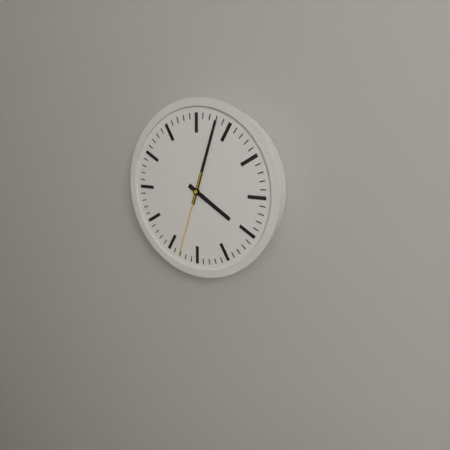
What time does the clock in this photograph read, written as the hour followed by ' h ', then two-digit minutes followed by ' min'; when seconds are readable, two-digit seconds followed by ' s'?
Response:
4 h 03 min 33 s
